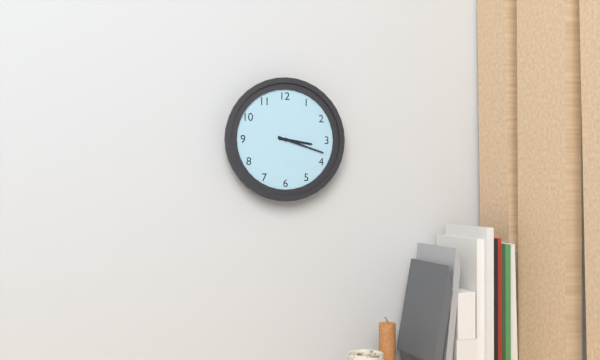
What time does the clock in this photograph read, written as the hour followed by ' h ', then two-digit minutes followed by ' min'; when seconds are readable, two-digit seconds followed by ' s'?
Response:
3 h 18 min
